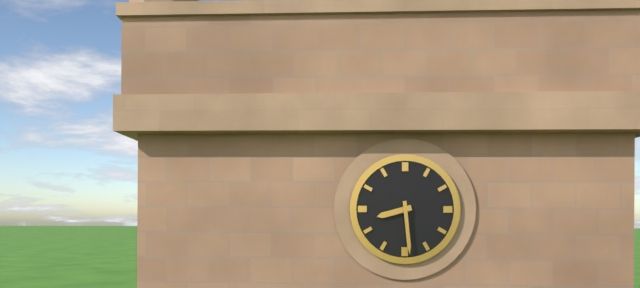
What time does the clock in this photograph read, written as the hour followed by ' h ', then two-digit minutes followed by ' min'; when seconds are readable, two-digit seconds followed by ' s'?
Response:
8 h 29 min
